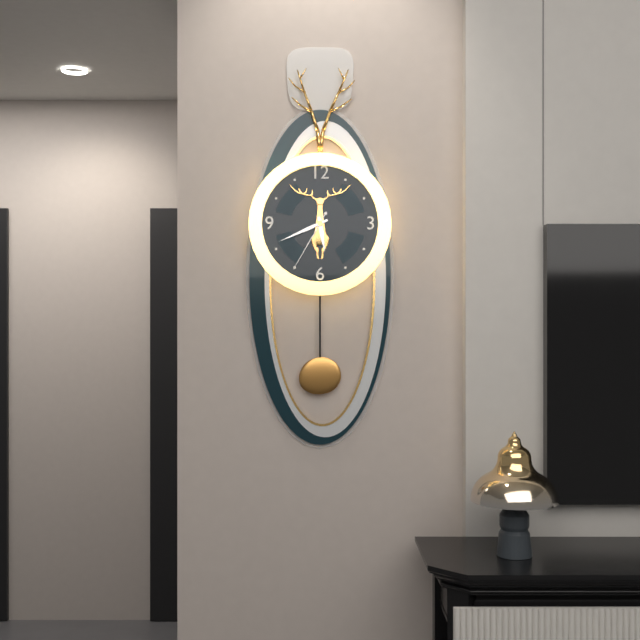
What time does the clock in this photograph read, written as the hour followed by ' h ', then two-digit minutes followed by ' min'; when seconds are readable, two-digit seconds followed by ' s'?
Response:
5 h 41 min 35 s
